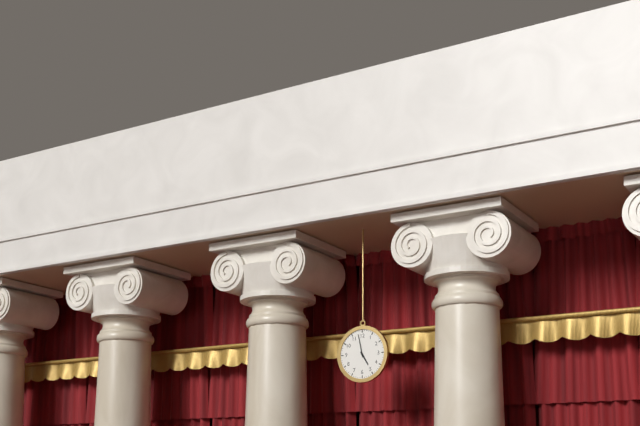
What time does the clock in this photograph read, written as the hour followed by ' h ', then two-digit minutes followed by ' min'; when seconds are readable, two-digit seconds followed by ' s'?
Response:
4 h 58 min
